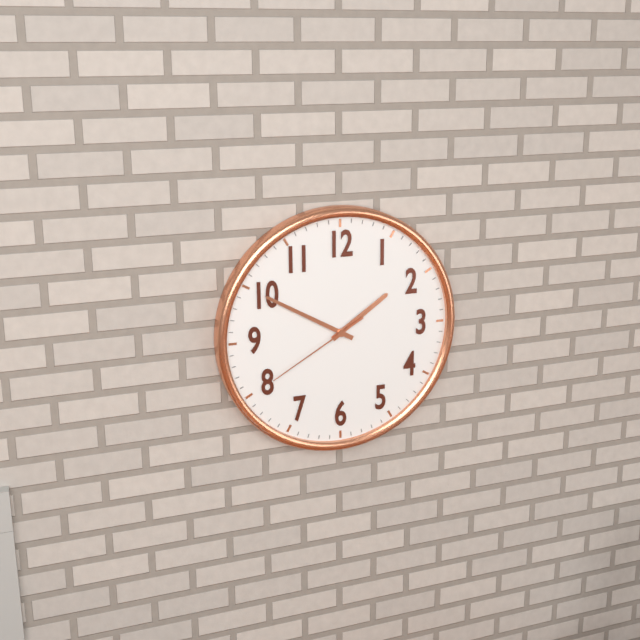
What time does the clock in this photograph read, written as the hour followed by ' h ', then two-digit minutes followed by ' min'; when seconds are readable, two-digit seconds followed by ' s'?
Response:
1 h 50 min 40 s
